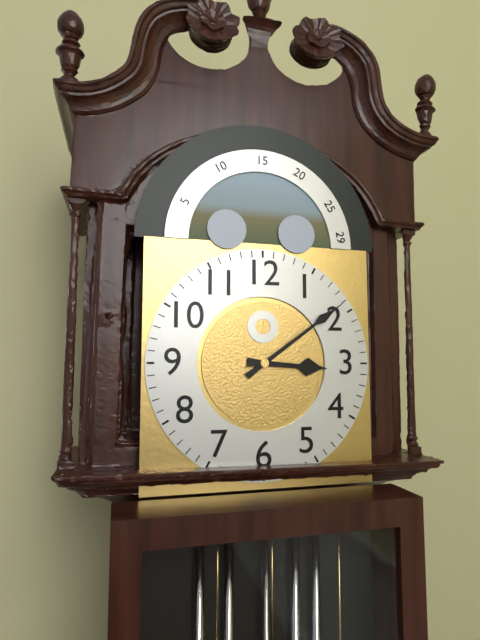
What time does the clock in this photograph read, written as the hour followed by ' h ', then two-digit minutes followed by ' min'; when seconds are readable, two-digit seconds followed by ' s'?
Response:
3 h 09 min
